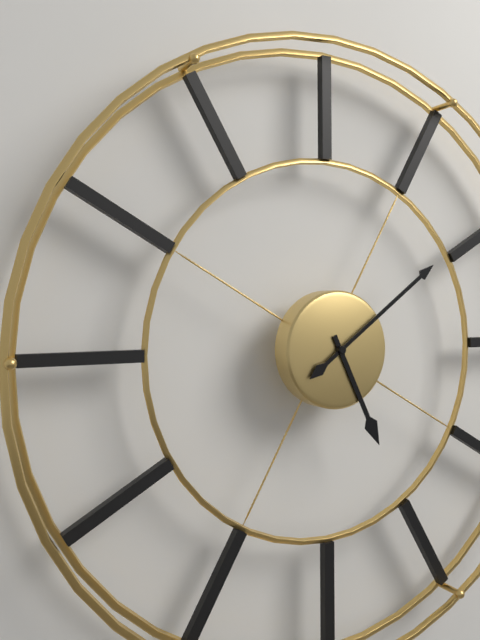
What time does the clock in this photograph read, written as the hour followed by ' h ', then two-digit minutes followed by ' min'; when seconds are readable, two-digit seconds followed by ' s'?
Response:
5 h 09 min
